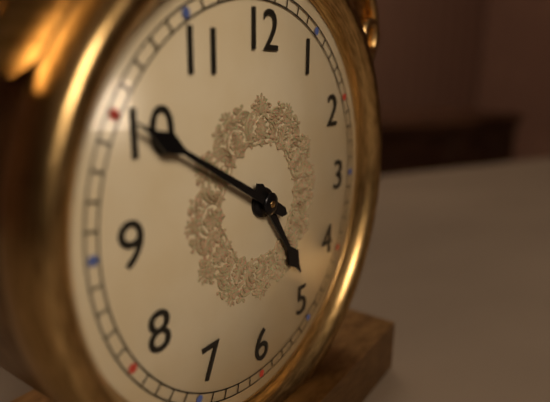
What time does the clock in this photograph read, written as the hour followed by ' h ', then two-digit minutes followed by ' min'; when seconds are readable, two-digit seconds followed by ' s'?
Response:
4 h 50 min
